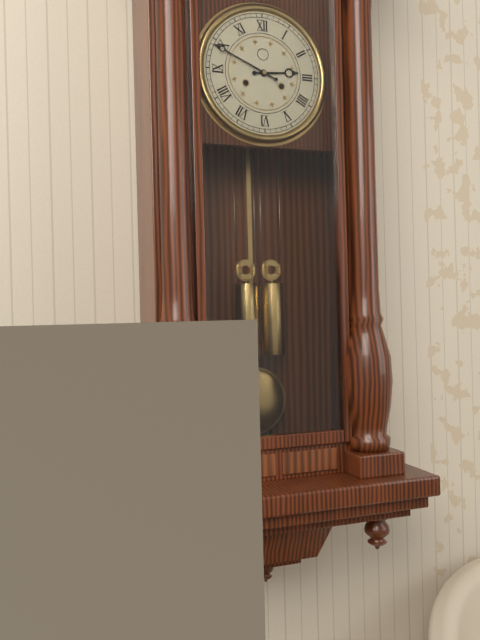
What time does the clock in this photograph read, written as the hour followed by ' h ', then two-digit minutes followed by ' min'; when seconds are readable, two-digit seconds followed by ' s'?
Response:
2 h 49 min
